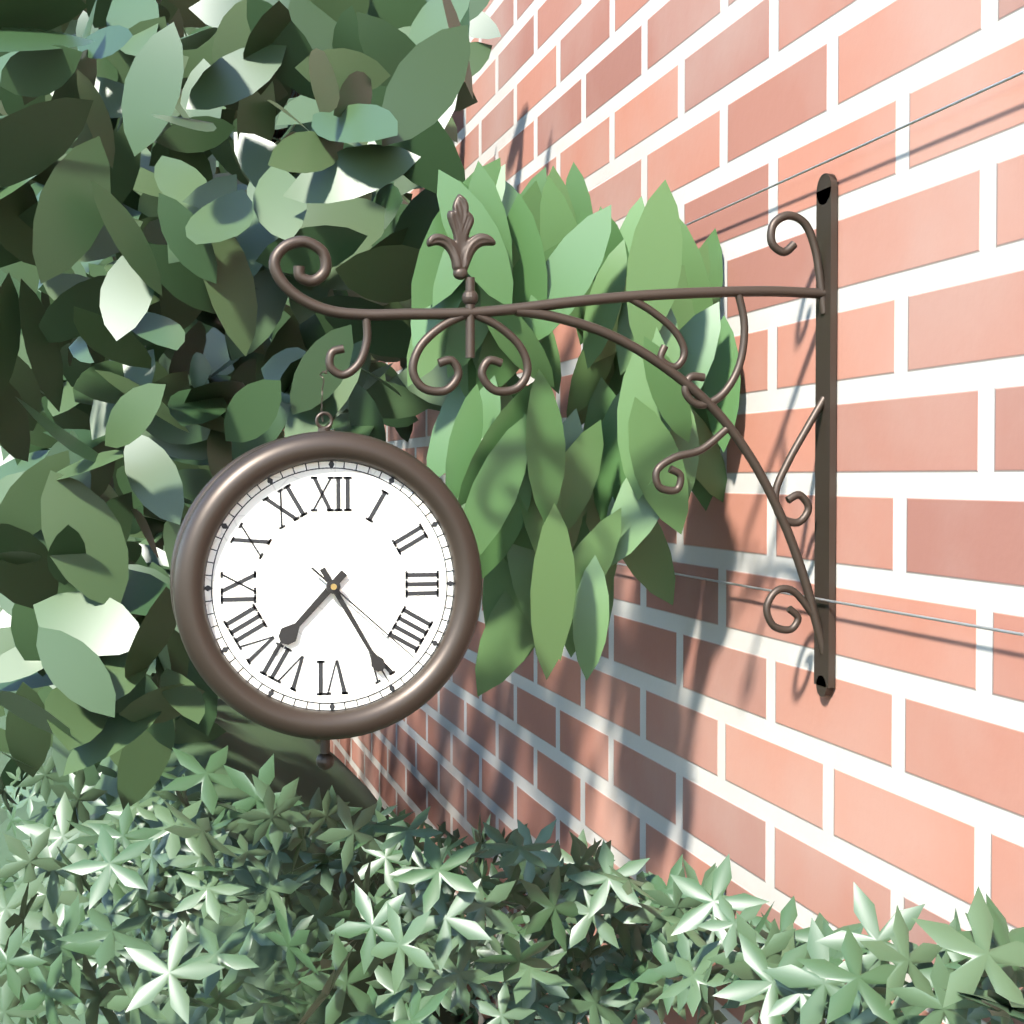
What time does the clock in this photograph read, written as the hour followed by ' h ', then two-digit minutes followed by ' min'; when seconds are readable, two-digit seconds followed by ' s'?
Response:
7 h 25 min 22 s
